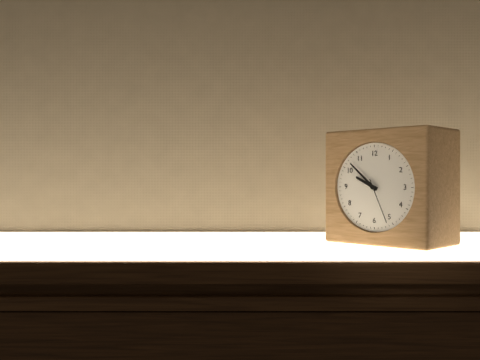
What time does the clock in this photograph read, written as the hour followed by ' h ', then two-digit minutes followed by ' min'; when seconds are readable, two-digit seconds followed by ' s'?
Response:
9 h 52 min
